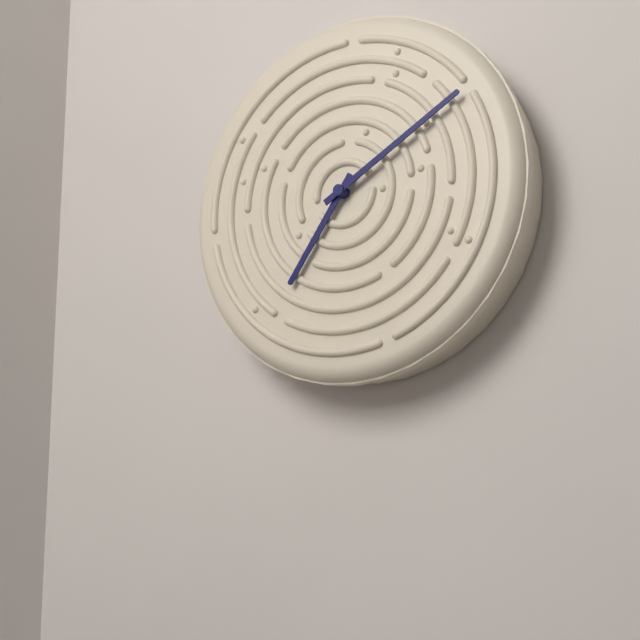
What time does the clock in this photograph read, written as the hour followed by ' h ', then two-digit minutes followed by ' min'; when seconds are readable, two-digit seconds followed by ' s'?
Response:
7 h 10 min
